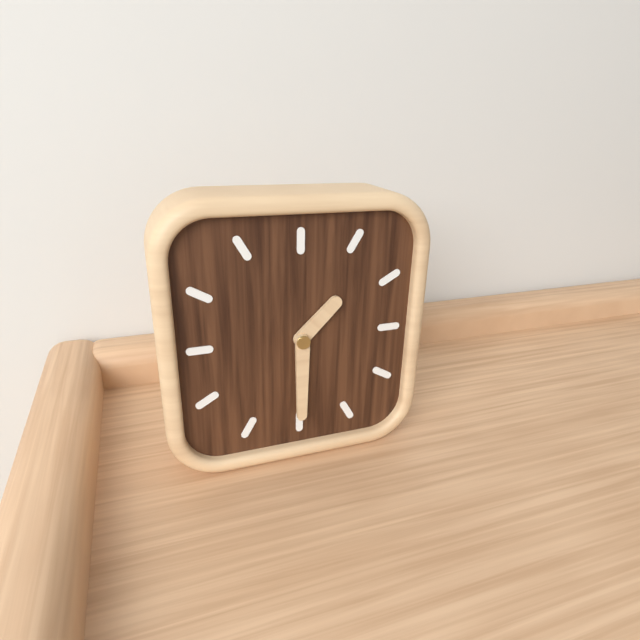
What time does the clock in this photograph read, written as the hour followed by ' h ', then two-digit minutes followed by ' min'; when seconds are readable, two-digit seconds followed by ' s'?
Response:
1 h 30 min
